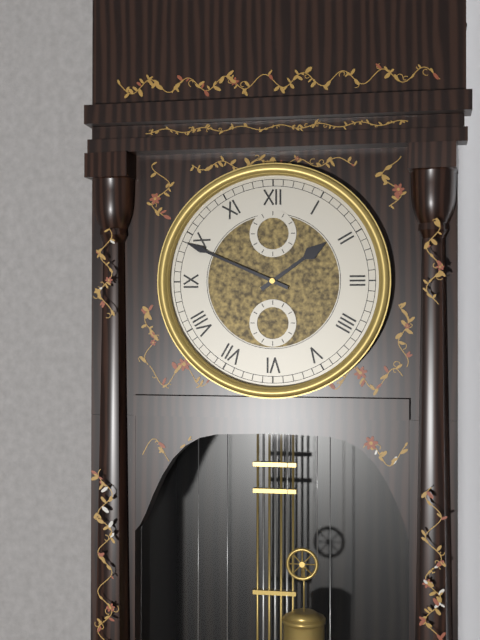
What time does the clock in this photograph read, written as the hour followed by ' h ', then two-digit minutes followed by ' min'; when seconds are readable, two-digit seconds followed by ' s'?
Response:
1 h 49 min
